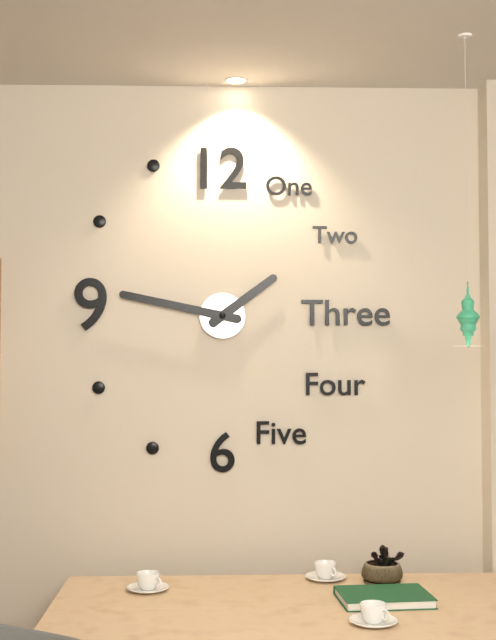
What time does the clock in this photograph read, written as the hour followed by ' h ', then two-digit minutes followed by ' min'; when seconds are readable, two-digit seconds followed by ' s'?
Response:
1 h 47 min
